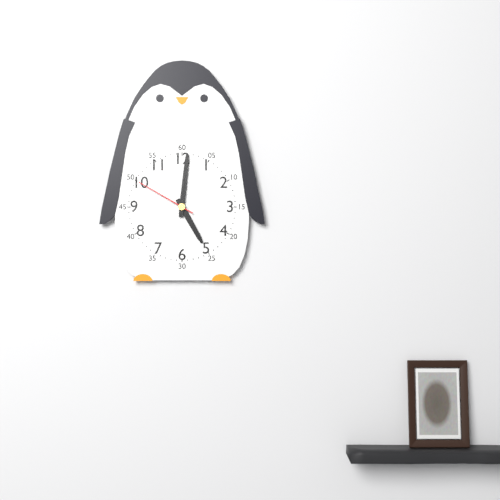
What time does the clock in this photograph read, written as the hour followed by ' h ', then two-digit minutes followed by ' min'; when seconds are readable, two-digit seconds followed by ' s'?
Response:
5 h 01 min 50 s
